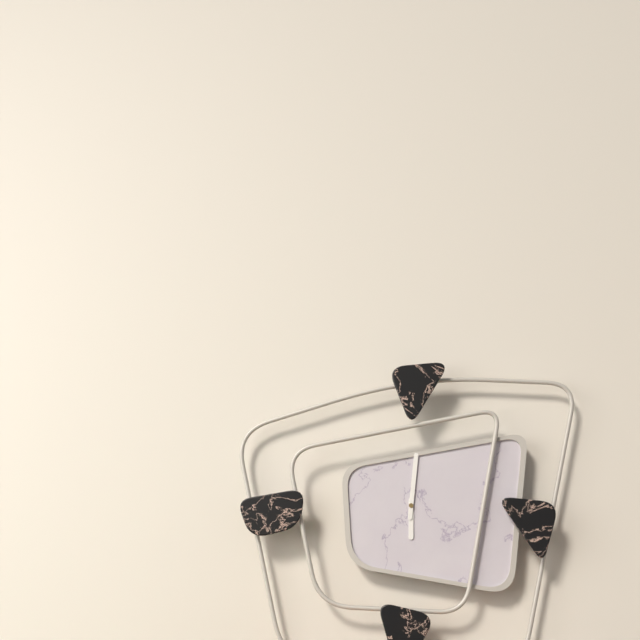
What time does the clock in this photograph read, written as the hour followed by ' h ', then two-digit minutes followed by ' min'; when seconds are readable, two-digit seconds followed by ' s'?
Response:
6 h 01 min
